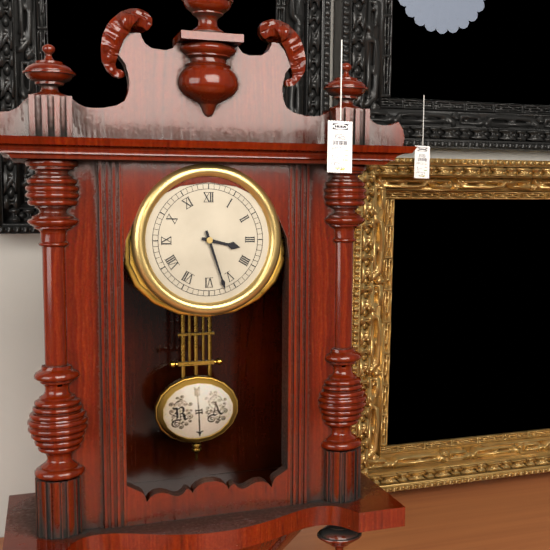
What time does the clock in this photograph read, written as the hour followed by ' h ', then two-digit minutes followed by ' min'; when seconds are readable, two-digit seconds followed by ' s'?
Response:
3 h 27 min
